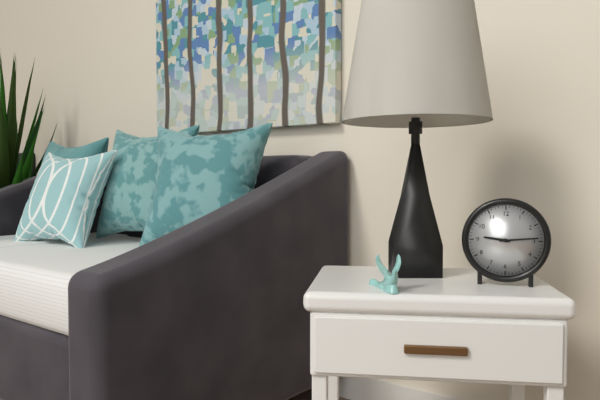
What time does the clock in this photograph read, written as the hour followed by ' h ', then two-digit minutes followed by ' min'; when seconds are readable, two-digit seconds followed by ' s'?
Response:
9 h 14 min
